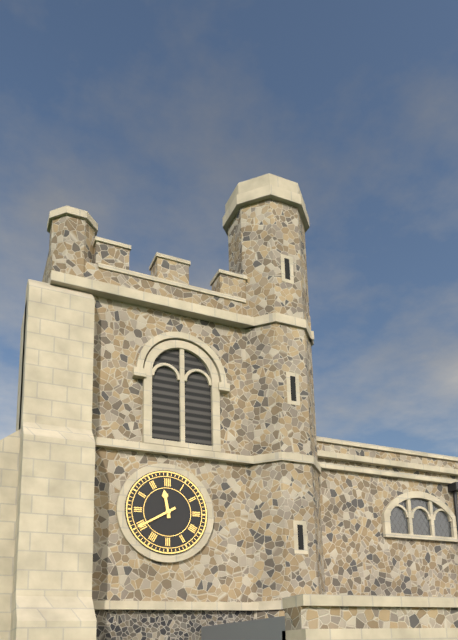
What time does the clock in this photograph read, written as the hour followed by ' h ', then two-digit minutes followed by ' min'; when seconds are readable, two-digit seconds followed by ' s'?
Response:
11 h 40 min
